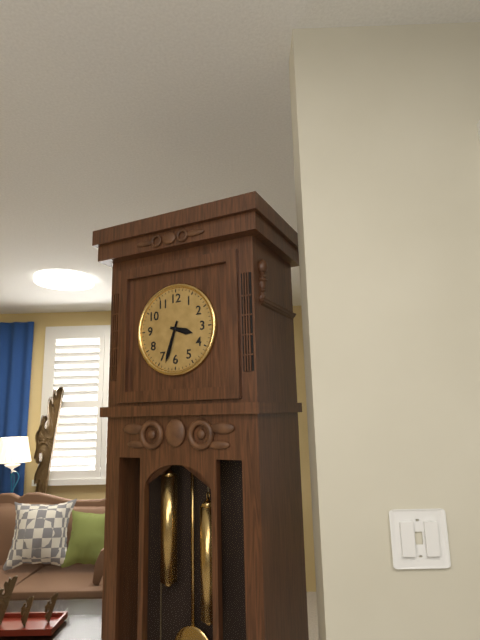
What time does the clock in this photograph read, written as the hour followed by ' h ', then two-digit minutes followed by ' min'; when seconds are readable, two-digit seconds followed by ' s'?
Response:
3 h 33 min
